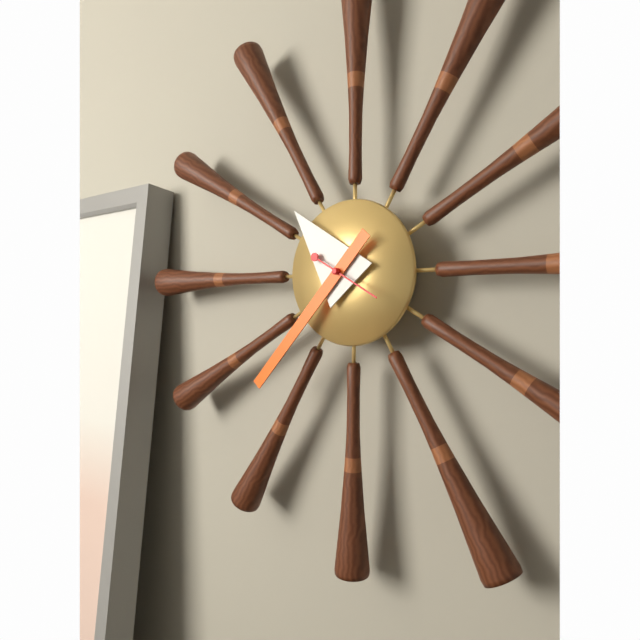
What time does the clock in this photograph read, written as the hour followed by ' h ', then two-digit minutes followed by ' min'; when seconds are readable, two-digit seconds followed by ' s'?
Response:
10 h 37 min
